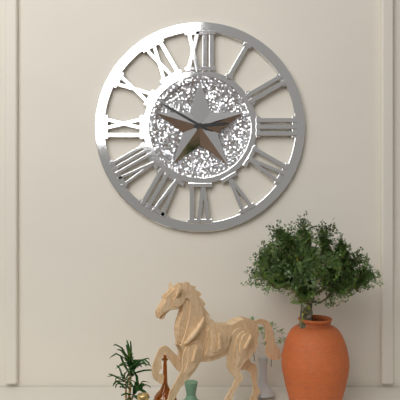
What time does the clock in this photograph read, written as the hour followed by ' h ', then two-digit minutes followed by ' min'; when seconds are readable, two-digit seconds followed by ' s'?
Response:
2 h 50 min
